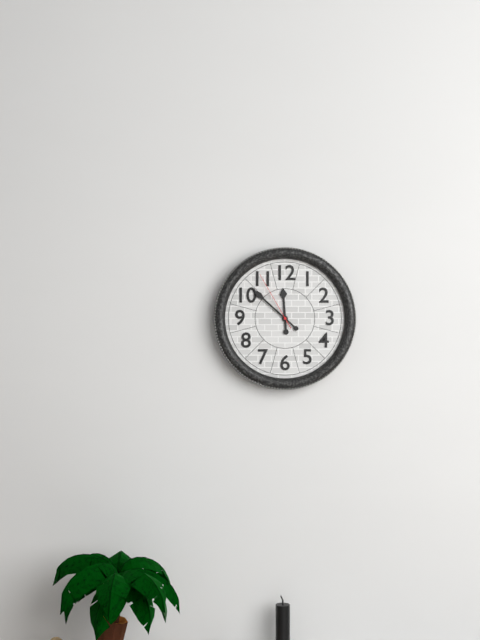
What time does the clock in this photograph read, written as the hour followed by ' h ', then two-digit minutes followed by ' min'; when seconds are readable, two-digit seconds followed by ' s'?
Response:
11 h 52 min 55 s
